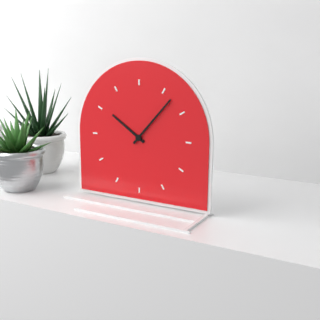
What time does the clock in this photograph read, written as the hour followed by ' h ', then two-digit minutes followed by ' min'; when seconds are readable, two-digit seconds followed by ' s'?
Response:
10 h 07 min
